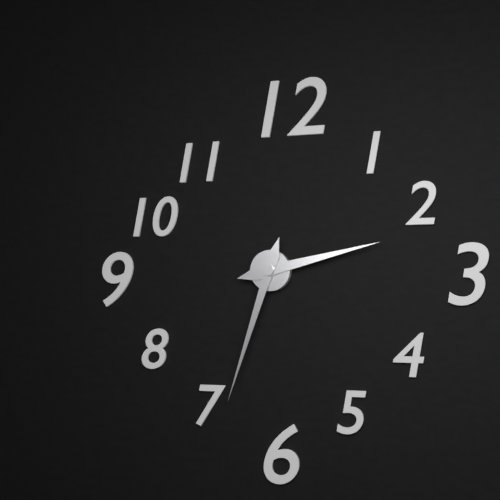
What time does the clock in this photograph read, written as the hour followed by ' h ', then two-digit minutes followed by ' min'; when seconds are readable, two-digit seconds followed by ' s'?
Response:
2 h 33 min
